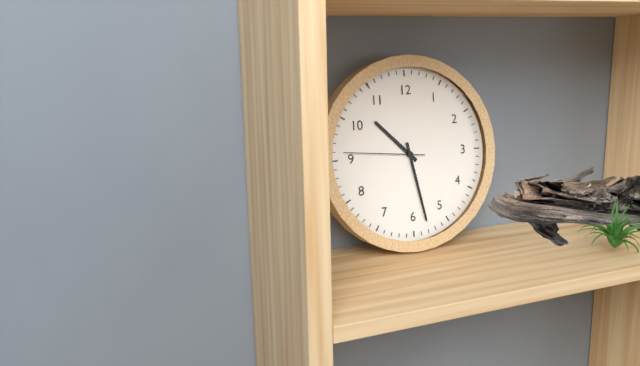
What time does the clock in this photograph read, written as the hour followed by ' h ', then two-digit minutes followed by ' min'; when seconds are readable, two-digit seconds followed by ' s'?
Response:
10 h 28 min 46 s
